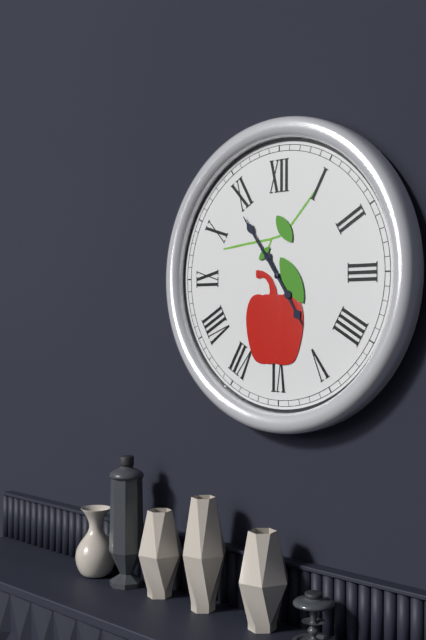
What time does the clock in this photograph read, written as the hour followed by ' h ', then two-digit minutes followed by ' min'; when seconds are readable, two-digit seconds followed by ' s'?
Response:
4 h 54 min
